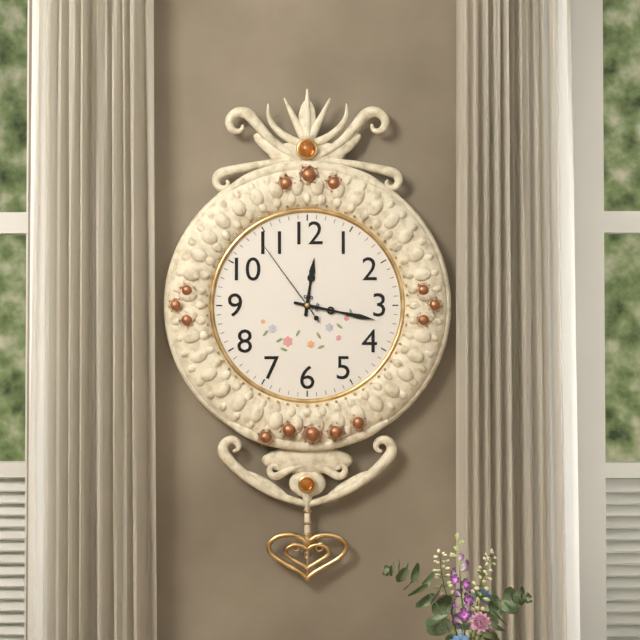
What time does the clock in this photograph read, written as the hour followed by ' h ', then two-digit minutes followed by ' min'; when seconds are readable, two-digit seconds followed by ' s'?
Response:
12 h 17 min 54 s
